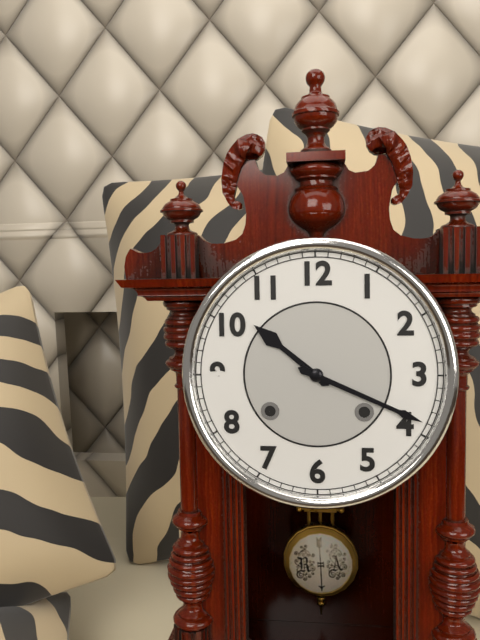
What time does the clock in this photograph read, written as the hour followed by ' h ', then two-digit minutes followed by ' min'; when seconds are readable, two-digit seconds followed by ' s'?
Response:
10 h 19 min
